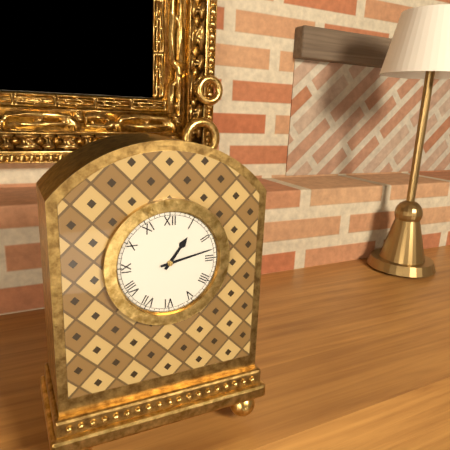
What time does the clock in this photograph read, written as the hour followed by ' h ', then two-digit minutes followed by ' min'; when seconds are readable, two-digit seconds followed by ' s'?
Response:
1 h 13 min
